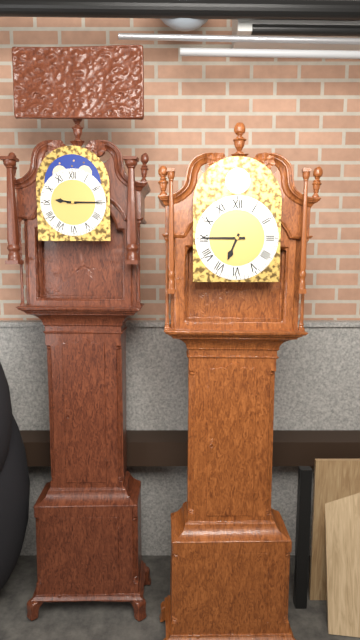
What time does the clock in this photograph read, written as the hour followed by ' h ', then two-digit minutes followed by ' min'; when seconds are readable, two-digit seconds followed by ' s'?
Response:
6 h 45 min
